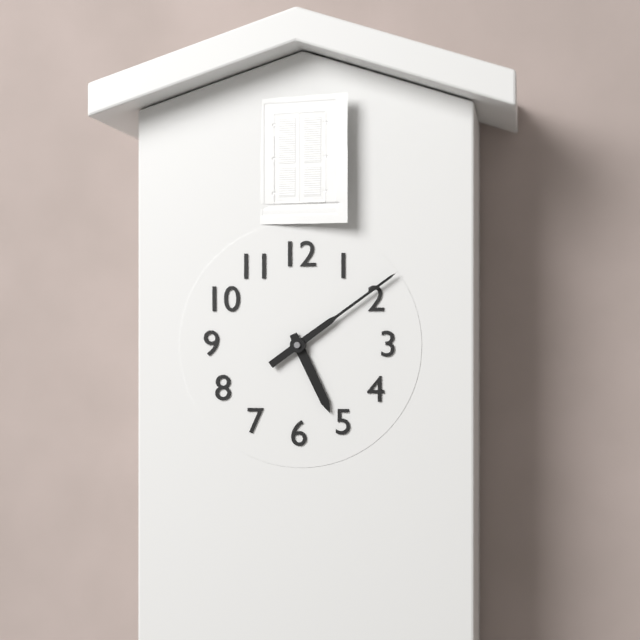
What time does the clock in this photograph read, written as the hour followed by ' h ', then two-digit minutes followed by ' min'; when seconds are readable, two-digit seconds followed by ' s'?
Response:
5 h 09 min
